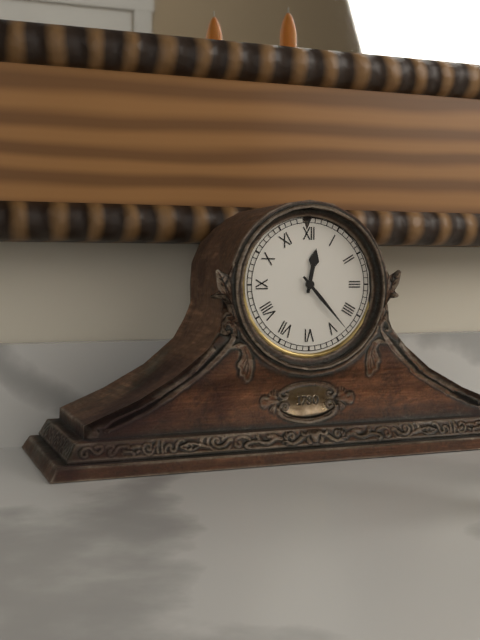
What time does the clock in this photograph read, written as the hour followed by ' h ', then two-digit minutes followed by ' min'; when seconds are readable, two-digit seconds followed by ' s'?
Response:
12 h 23 min
